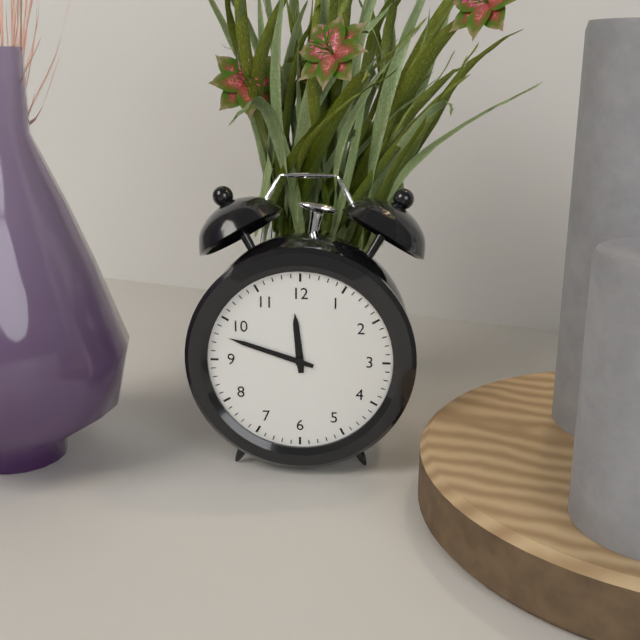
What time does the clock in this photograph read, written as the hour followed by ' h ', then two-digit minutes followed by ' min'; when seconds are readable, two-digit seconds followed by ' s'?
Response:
11 h 48 min
